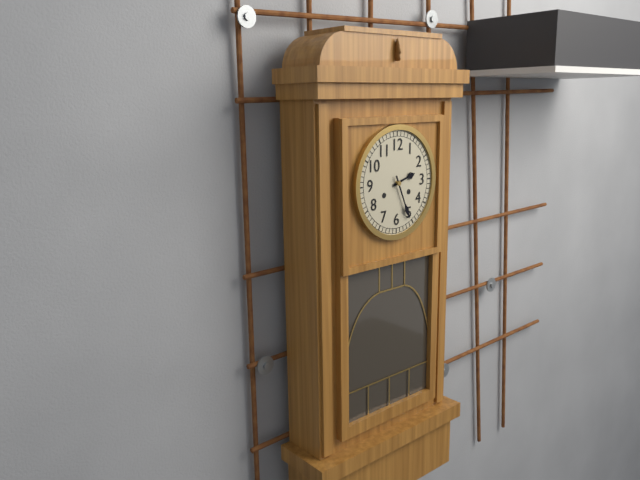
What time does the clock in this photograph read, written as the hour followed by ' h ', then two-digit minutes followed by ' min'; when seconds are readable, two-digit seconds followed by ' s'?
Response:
2 h 26 min
